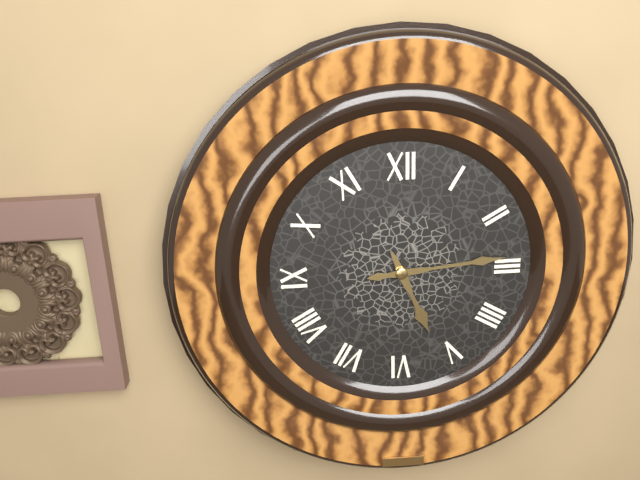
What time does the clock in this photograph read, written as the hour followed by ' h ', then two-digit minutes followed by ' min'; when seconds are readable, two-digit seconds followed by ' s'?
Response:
5 h 14 min
